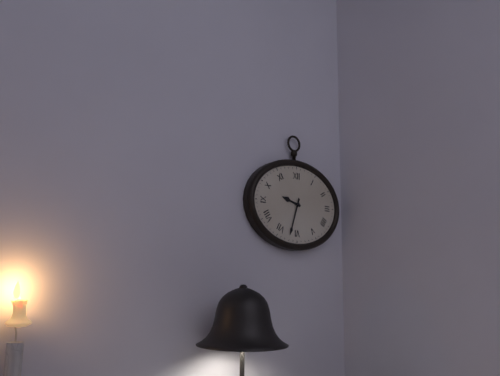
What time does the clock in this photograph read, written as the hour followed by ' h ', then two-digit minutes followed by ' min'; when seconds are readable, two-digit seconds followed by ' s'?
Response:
9 h 33 min
